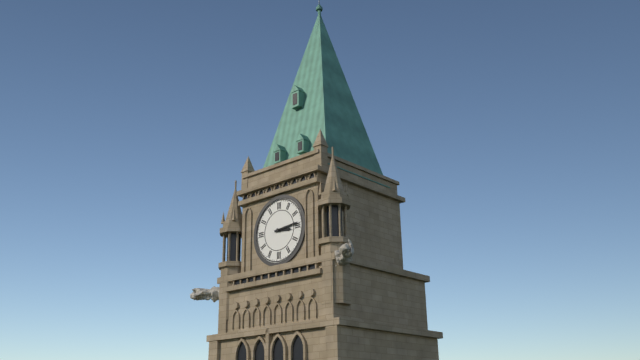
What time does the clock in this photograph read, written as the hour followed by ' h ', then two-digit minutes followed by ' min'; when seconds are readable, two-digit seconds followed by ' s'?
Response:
3 h 14 min
